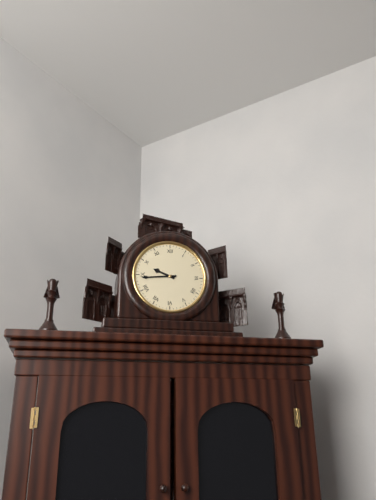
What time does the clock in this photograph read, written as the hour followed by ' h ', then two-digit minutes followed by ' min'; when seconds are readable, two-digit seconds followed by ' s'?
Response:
9 h 44 min
